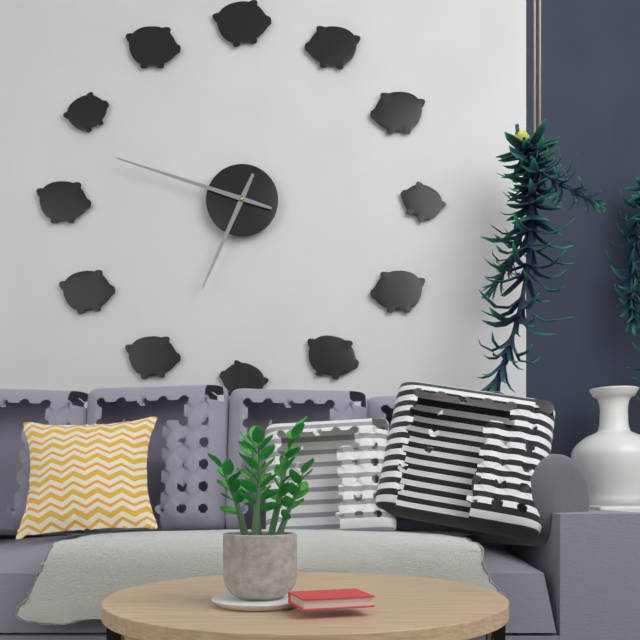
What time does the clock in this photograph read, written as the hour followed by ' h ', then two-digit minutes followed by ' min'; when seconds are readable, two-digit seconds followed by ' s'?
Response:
6 h 48 min
